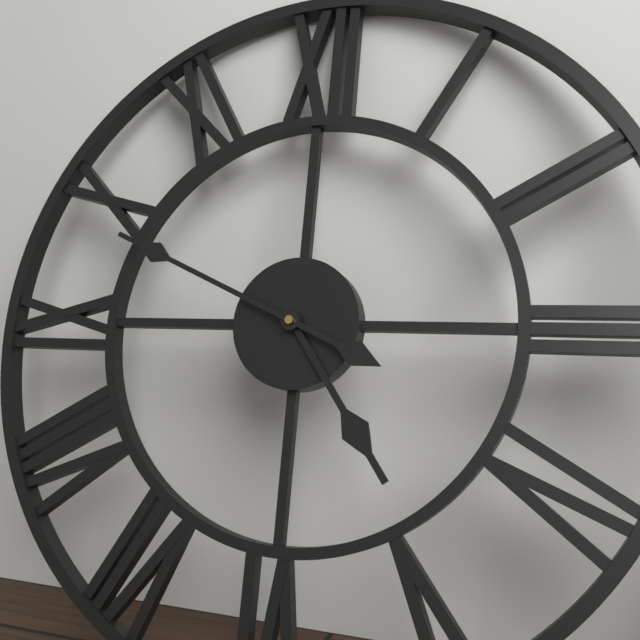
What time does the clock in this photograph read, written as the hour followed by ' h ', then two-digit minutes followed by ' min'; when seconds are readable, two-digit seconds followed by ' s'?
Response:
4 h 49 min
